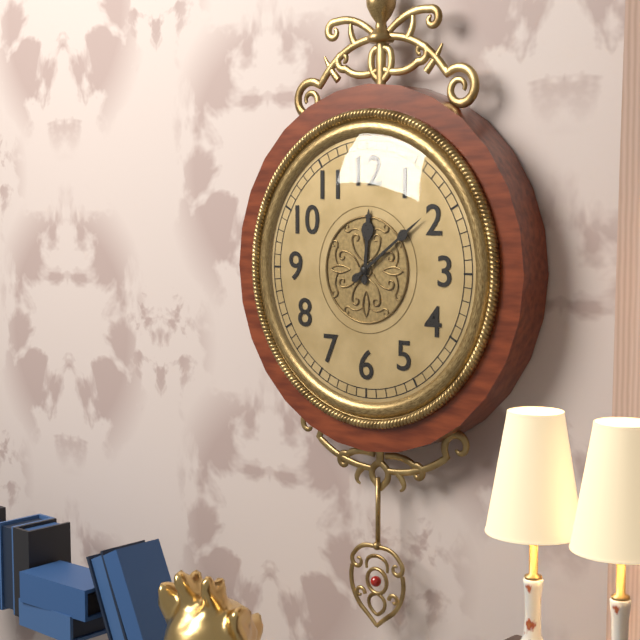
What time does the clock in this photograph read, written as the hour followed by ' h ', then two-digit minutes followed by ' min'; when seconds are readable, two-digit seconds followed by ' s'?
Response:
12 h 09 min
